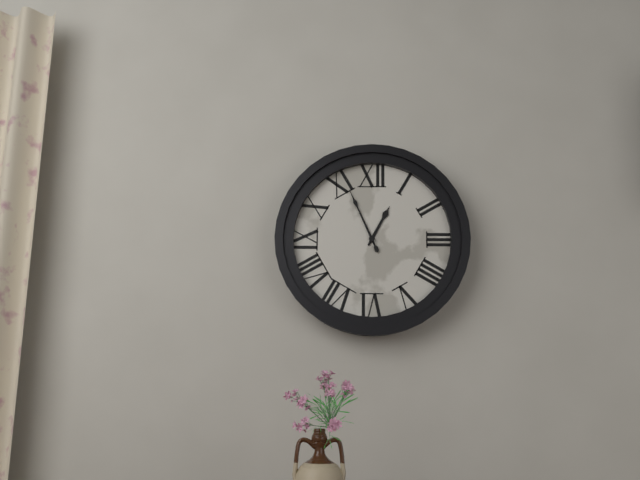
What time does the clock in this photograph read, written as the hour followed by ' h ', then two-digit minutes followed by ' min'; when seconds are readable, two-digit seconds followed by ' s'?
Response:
12 h 56 min
